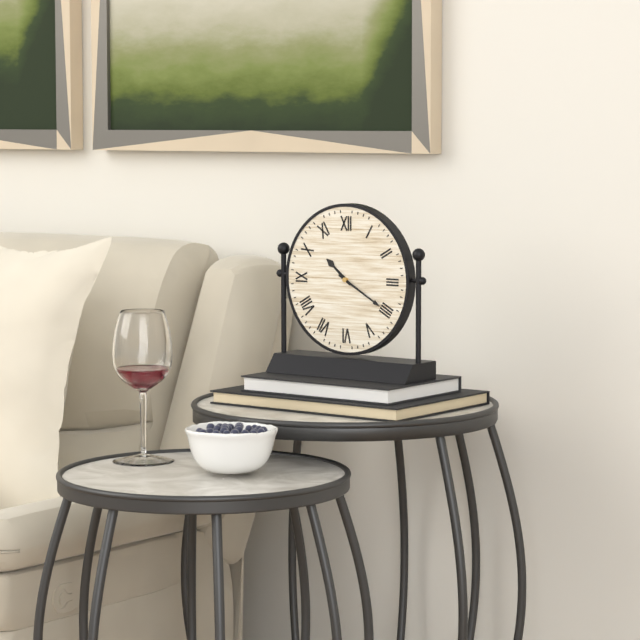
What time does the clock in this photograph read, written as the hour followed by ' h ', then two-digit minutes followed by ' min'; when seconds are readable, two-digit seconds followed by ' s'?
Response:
10 h 20 min
